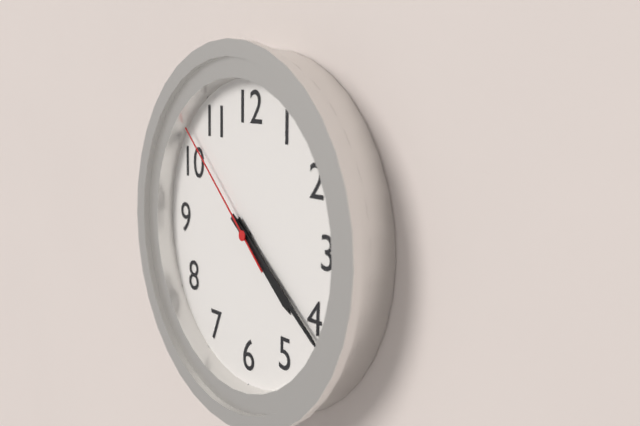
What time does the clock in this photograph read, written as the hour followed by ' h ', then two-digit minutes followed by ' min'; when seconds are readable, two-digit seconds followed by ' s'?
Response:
4 h 21 min 52 s
